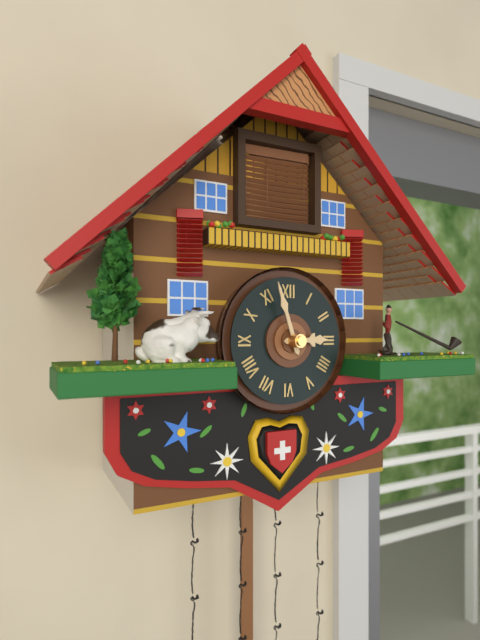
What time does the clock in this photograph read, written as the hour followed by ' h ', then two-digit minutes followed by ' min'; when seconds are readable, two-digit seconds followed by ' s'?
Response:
2 h 57 min
